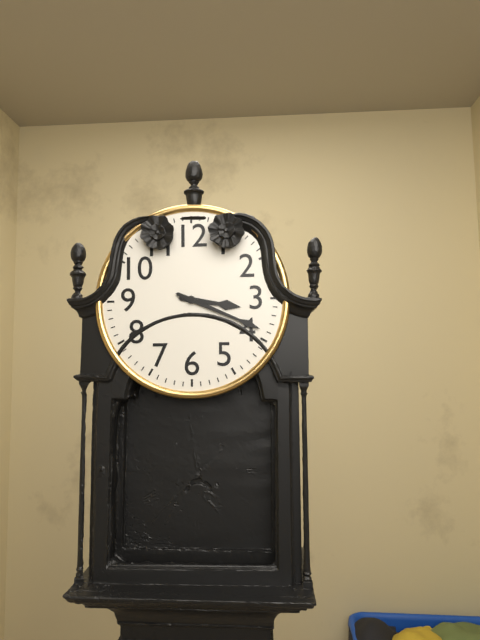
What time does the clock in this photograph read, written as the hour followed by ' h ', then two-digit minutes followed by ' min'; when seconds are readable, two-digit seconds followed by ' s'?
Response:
3 h 19 min
